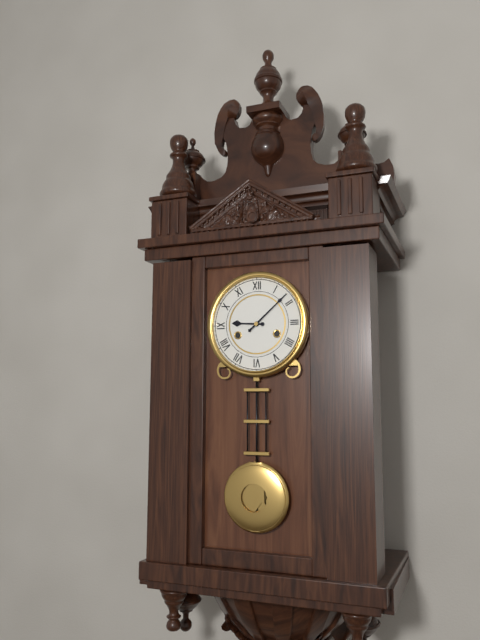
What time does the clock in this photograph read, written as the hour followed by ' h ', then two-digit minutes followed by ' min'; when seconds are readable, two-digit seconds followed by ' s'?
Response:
9 h 08 min
